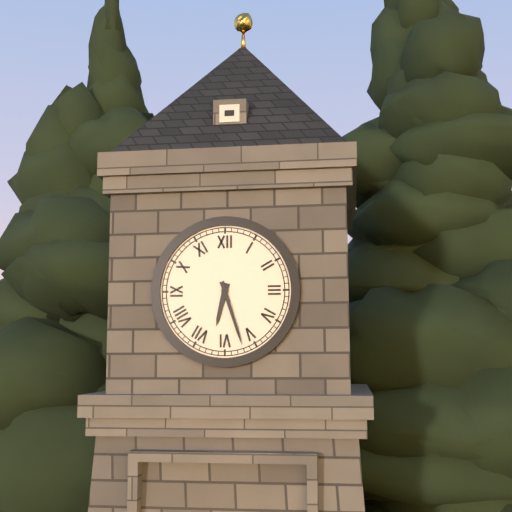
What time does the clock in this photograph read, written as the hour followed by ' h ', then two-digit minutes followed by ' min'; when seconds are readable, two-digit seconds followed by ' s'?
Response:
6 h 27 min
